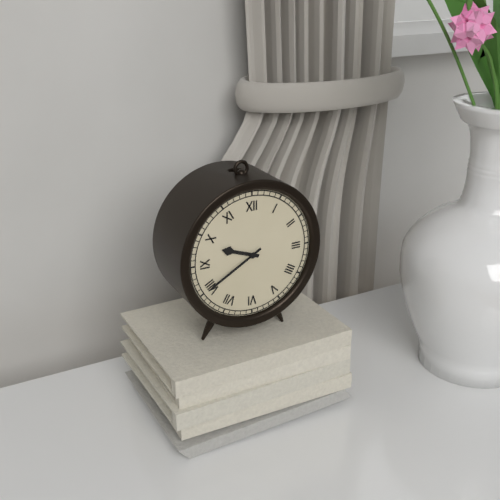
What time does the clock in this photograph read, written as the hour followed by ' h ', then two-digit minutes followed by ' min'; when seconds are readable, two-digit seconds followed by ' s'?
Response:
9 h 40 min
